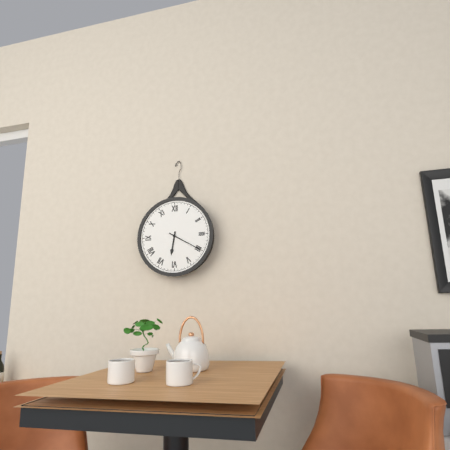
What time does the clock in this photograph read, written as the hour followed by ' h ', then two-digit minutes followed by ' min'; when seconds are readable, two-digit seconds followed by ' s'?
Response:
6 h 20 min
